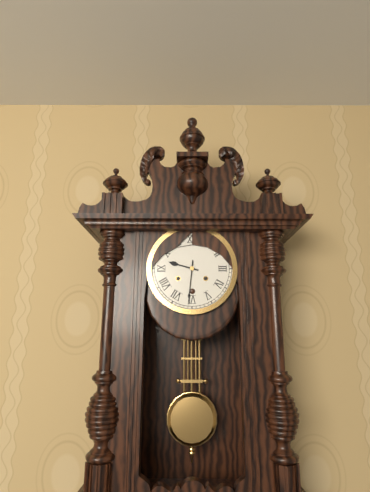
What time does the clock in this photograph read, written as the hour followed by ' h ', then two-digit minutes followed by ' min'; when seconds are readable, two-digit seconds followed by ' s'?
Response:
9 h 31 min
